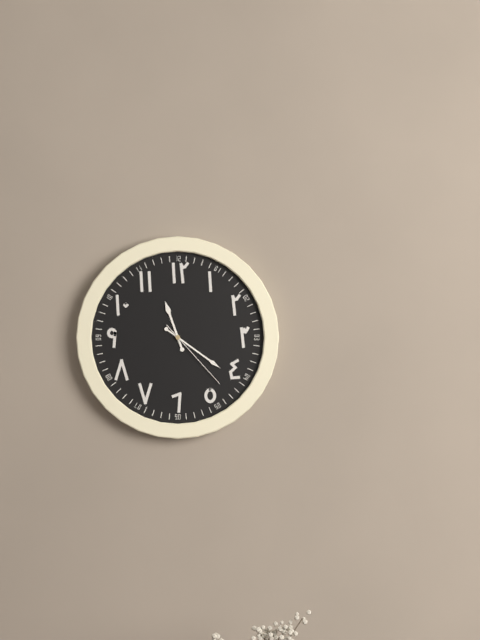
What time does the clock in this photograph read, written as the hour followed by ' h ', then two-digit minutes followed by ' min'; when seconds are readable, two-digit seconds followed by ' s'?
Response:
11 h 21 min 23 s
